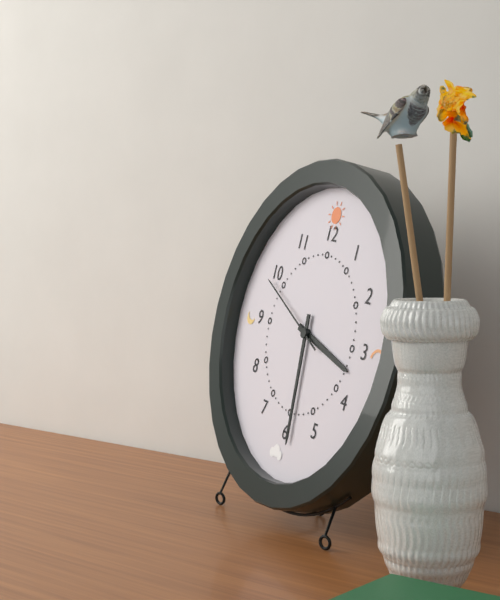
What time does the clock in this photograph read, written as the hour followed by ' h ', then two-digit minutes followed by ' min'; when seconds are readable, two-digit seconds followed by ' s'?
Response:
3 h 29 min 49 s
